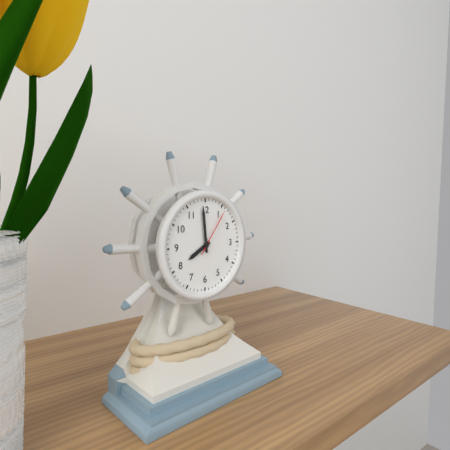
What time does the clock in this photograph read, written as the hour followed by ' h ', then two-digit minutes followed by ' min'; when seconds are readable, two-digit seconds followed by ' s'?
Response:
7 h 59 min 06 s
